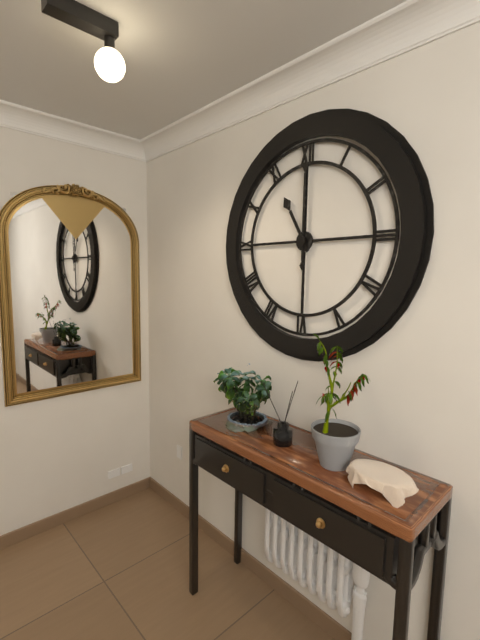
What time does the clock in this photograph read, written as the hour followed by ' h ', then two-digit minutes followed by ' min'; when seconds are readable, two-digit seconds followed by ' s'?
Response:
11 h 00 min
